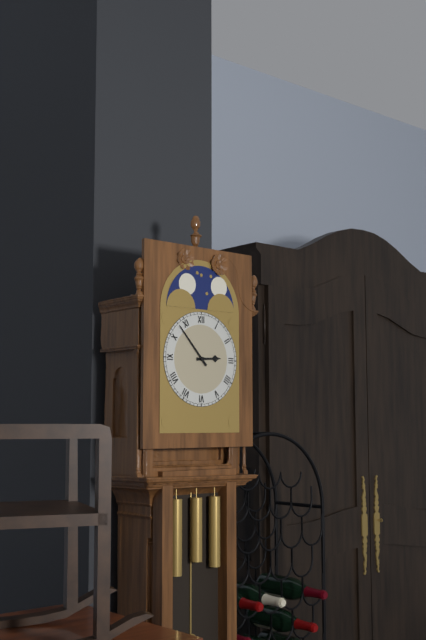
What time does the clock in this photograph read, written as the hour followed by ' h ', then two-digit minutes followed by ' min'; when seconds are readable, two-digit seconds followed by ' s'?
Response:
2 h 53 min
